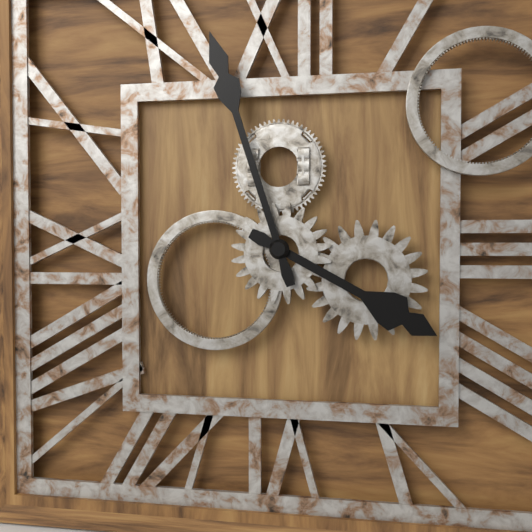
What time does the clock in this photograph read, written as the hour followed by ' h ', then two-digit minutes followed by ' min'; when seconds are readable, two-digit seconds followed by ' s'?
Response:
3 h 57 min
